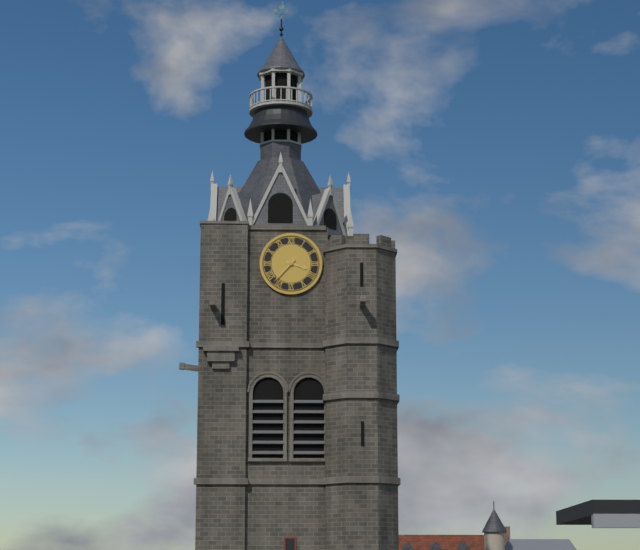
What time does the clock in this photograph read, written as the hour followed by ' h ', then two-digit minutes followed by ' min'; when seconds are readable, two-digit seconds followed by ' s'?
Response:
3 h 37 min
